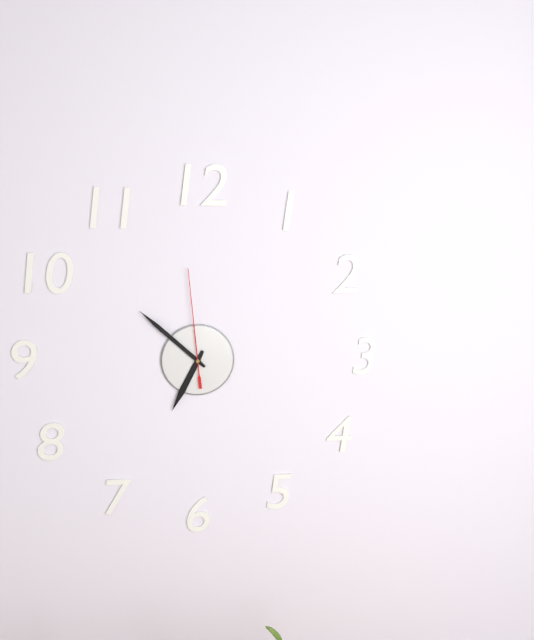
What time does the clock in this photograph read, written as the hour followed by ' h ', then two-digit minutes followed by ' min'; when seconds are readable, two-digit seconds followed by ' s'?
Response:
6 h 52 min 59 s
